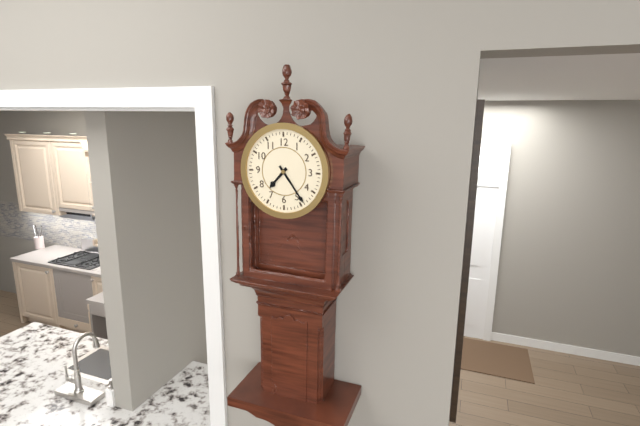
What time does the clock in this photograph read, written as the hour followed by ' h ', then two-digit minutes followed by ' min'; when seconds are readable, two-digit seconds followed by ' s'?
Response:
7 h 24 min
